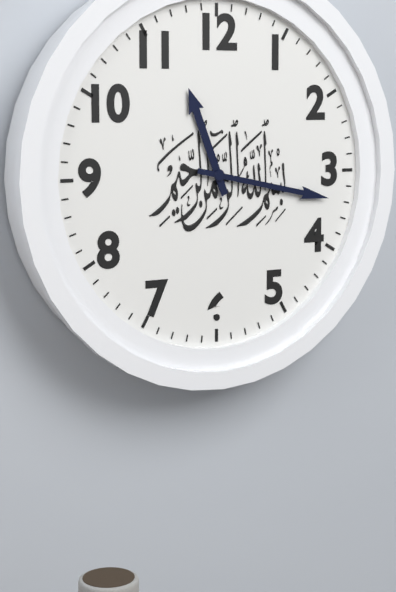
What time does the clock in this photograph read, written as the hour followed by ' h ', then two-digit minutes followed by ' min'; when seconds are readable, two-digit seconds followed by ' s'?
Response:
11 h 17 min
